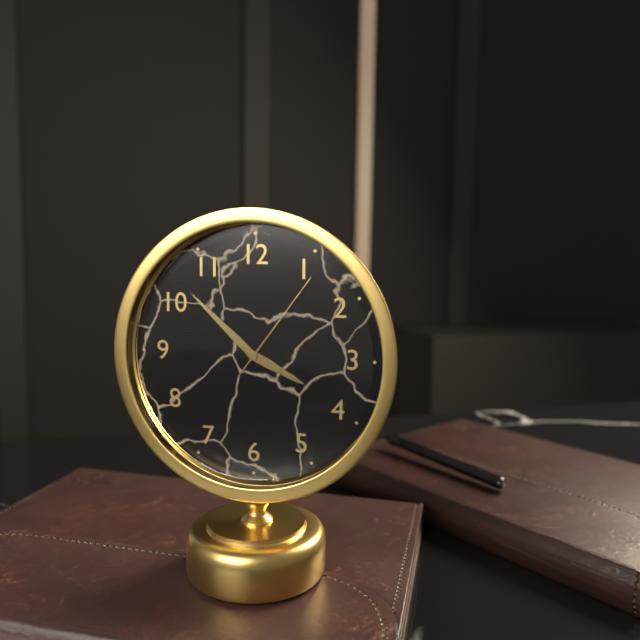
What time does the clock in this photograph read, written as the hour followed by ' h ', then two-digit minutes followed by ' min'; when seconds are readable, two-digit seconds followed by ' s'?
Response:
3 h 52 min 06 s
